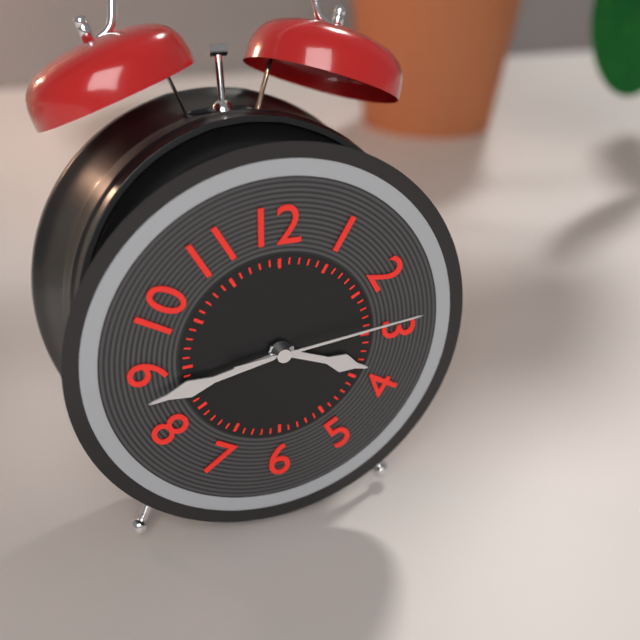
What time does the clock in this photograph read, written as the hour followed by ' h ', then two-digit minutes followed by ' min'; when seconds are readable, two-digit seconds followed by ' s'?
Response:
3 h 43 min 14 s
